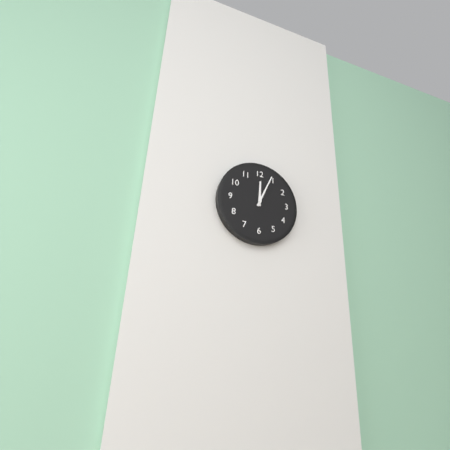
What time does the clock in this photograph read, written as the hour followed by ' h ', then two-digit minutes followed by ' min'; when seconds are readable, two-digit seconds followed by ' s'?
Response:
12 h 04 min
